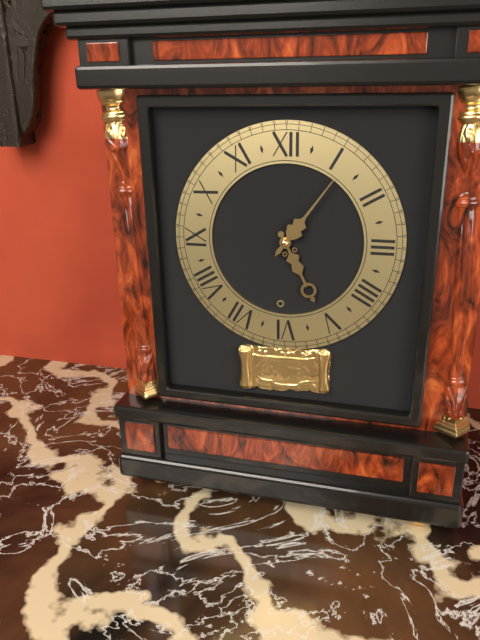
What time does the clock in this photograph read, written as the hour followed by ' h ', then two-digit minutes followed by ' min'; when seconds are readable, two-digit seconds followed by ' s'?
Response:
5 h 06 min
